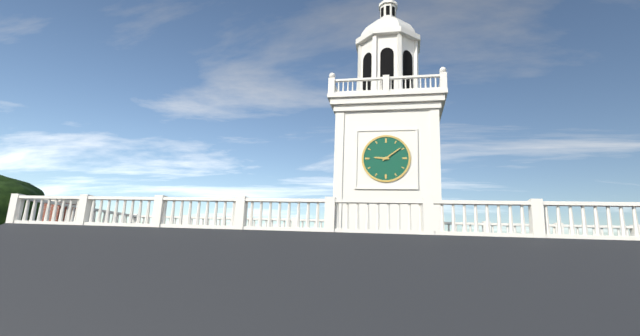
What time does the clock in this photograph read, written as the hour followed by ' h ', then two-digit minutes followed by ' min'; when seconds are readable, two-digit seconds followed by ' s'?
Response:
9 h 09 min
